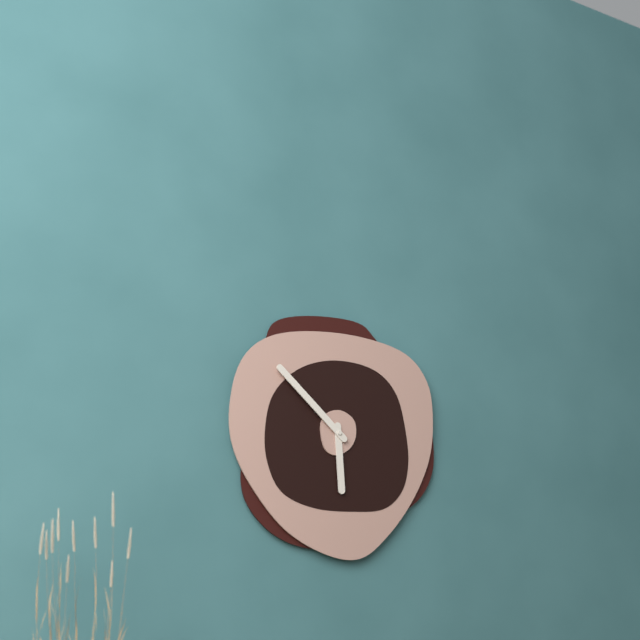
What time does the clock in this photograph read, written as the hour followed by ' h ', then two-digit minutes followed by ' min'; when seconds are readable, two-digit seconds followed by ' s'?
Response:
5 h 52 min
